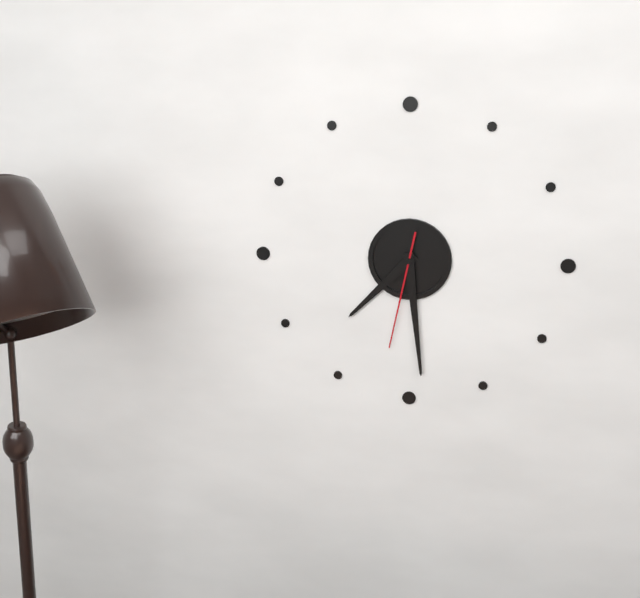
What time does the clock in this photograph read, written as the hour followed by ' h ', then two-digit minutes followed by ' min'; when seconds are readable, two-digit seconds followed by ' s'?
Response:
7 h 29 min 32 s
